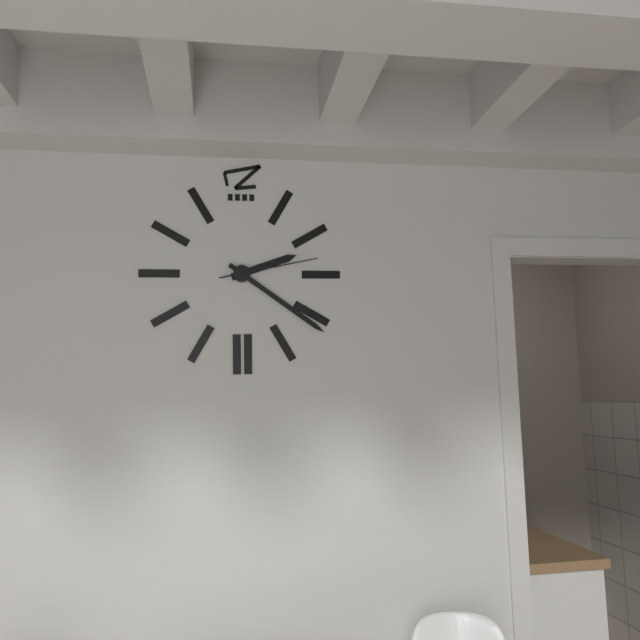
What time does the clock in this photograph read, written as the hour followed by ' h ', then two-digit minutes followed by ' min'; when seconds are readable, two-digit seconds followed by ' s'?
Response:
2 h 21 min 13 s
